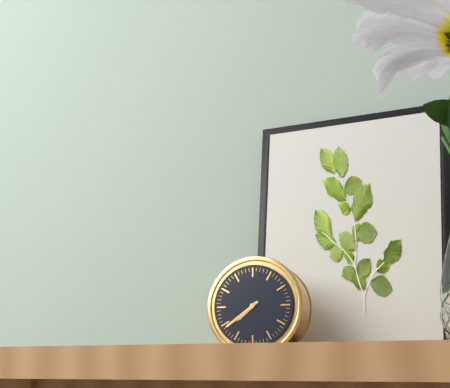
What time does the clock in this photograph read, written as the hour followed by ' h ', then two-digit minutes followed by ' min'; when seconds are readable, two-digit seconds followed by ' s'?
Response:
7 h 39 min
